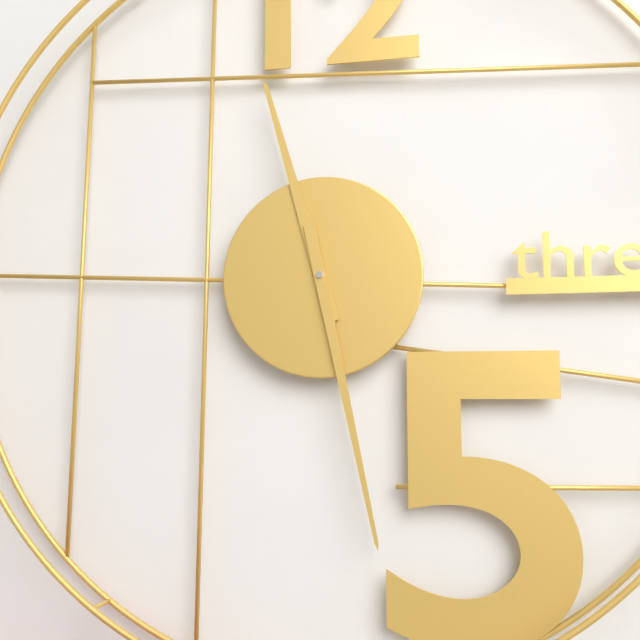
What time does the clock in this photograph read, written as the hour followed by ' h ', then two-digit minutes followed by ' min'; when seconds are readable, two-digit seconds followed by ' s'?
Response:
11 h 28 min
